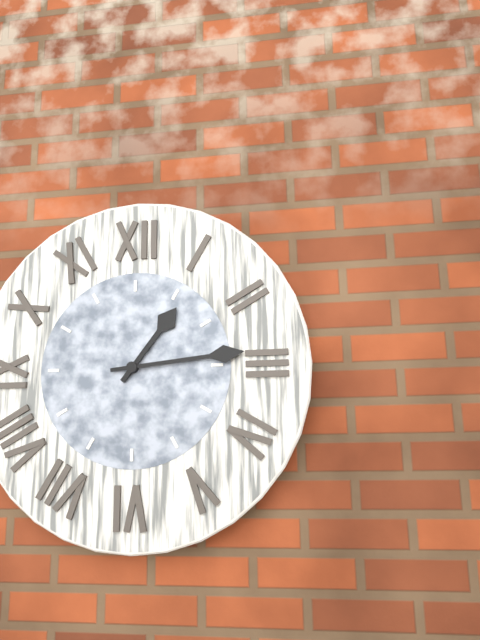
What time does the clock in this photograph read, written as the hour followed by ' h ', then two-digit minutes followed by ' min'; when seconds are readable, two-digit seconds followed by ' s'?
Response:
1 h 14 min
